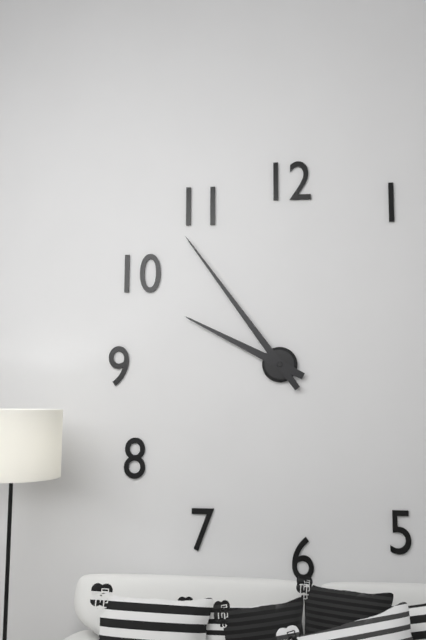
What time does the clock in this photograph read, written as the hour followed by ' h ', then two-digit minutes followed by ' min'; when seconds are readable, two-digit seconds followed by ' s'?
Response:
9 h 54 min
